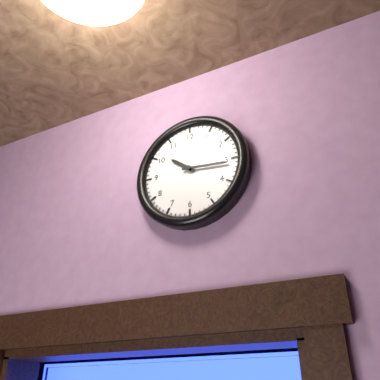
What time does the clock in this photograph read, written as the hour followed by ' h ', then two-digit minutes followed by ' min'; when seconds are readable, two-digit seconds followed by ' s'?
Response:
10 h 16 min
